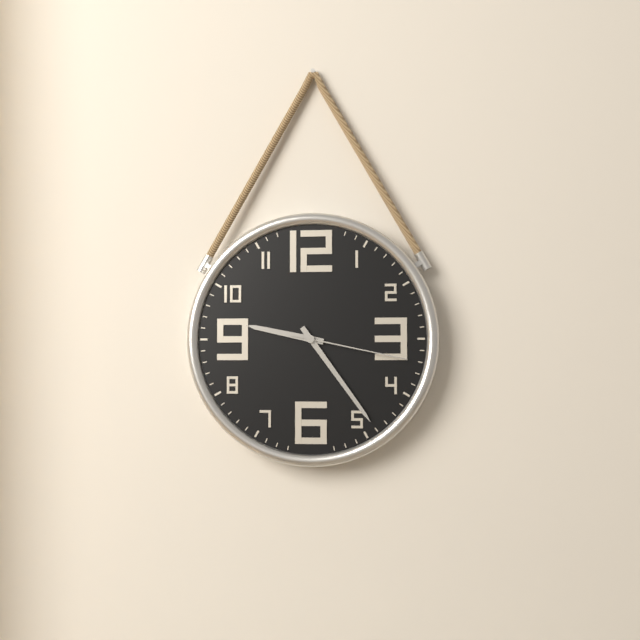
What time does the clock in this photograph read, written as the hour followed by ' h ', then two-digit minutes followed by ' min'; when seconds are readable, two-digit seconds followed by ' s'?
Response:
9 h 24 min 17 s
